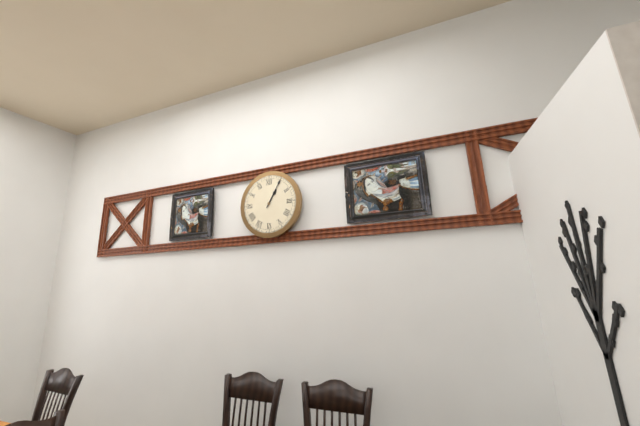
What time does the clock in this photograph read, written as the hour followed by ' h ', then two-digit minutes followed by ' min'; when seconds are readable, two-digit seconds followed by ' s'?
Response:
1 h 05 min
